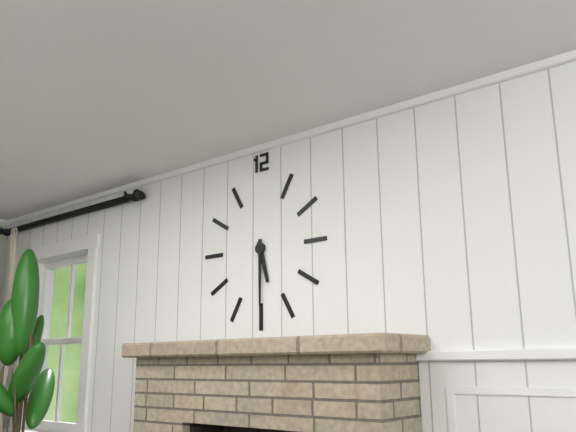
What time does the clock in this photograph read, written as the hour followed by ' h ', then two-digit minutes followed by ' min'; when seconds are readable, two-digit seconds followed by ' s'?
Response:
5 h 30 min
